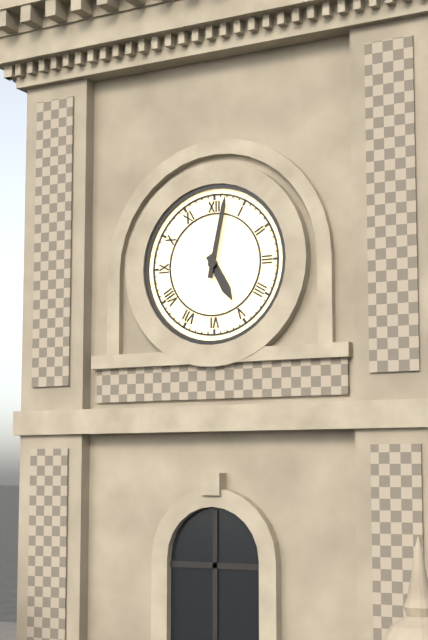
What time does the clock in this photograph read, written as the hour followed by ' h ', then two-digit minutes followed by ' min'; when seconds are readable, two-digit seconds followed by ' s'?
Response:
5 h 02 min
